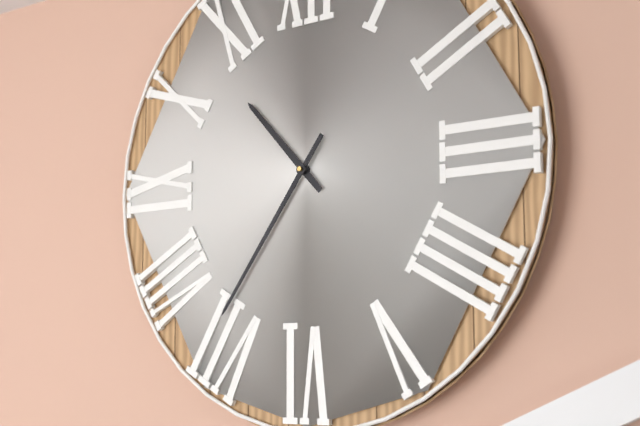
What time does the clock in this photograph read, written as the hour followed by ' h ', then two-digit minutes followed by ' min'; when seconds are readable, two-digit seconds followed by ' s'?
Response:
10 h 36 min
